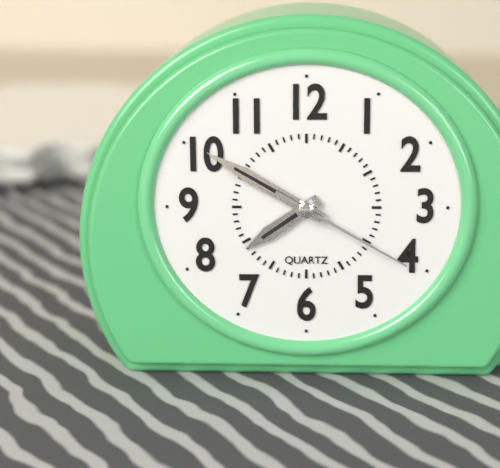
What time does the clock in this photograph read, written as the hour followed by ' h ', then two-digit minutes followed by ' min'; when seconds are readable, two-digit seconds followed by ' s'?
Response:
7 h 50 min 20 s
